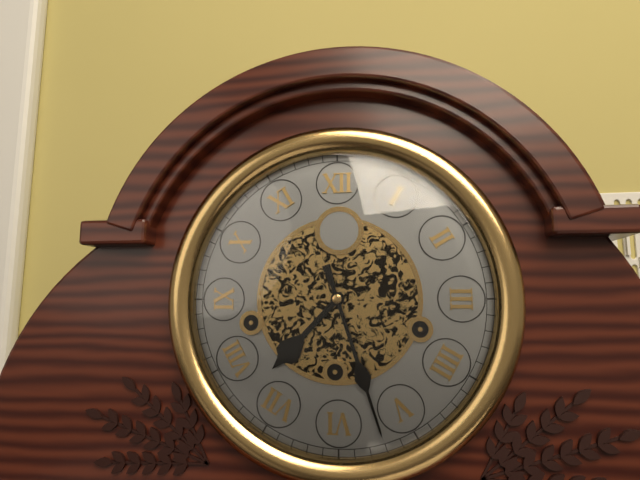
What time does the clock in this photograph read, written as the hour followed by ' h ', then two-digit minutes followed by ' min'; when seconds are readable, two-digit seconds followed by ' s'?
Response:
7 h 27 min
